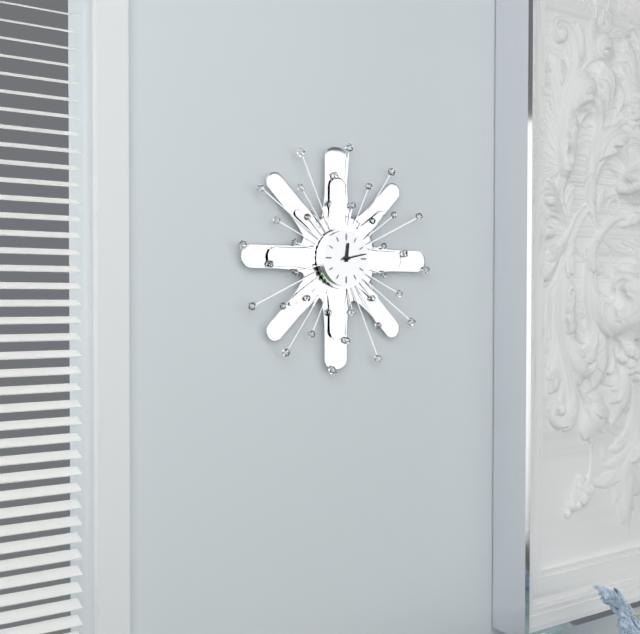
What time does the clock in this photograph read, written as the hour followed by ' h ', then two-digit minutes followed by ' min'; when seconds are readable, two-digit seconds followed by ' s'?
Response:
12 h 13 min
